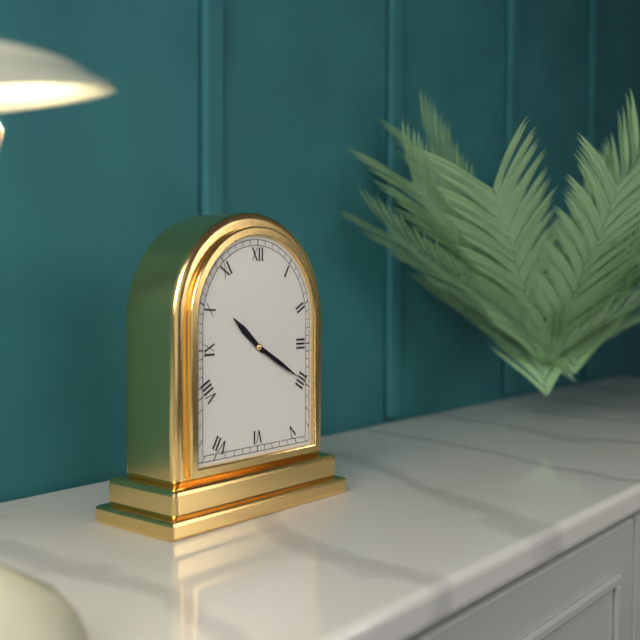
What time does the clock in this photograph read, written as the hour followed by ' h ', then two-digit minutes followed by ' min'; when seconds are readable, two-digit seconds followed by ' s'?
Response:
10 h 20 min
